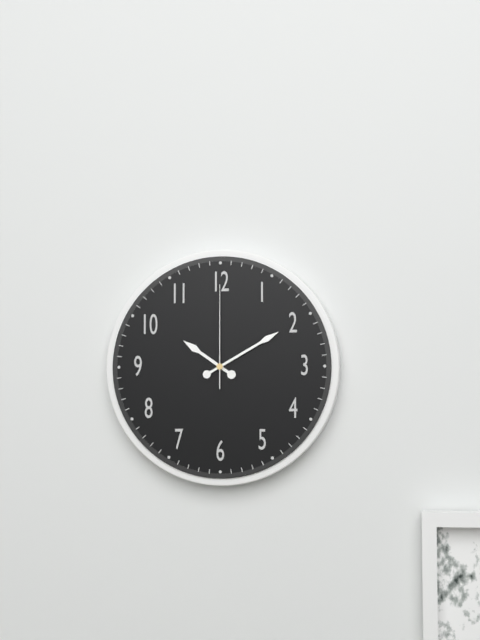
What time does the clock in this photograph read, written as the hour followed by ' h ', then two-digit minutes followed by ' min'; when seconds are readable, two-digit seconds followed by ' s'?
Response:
10 h 10 min 00 s
